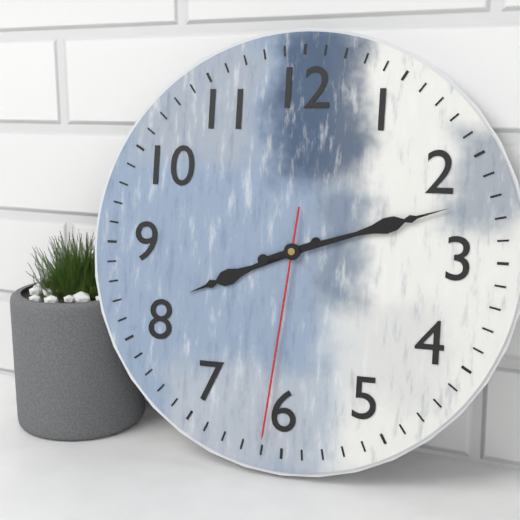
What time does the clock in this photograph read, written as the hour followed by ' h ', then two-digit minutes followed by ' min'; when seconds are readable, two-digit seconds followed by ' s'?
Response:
8 h 12 min 31 s
